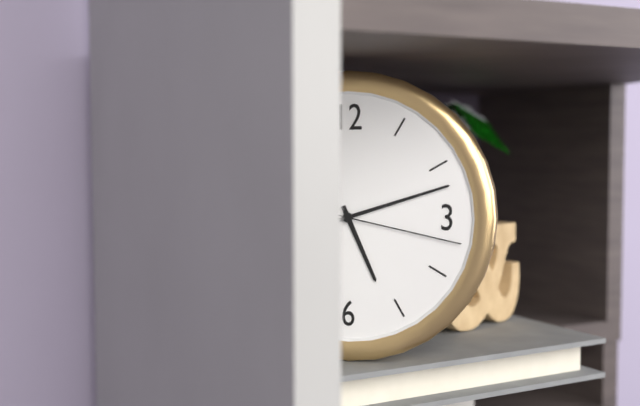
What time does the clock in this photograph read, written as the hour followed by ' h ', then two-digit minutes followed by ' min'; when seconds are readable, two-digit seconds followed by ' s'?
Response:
5 h 12 min 17 s
